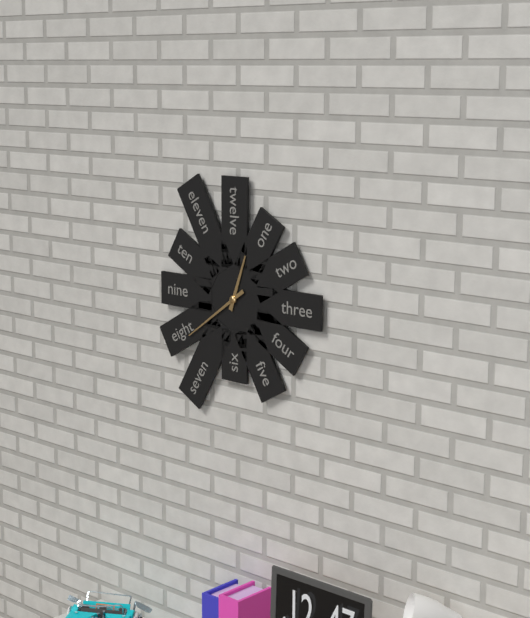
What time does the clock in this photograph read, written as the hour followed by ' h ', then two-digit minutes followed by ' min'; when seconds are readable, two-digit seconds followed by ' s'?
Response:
12 h 39 min
